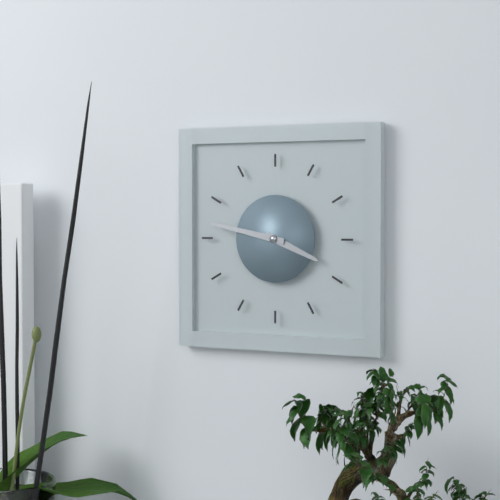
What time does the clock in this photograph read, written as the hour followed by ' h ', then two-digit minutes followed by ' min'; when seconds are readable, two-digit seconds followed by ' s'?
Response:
3 h 47 min
